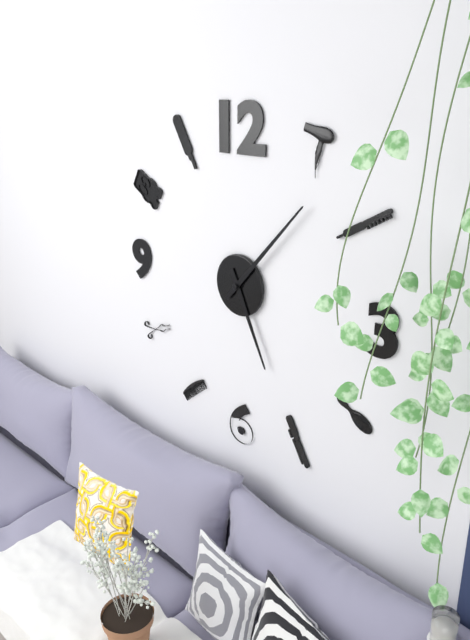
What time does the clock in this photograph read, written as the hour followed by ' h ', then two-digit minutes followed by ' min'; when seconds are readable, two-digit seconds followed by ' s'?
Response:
5 h 07 min
